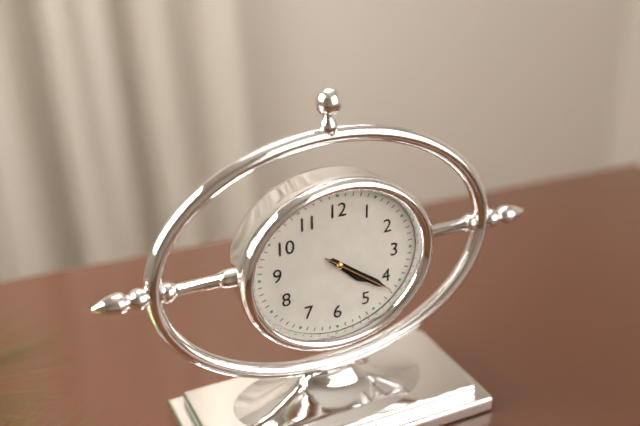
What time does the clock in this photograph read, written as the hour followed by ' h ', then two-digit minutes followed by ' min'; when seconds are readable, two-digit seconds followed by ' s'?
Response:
4 h 21 min 21 s
